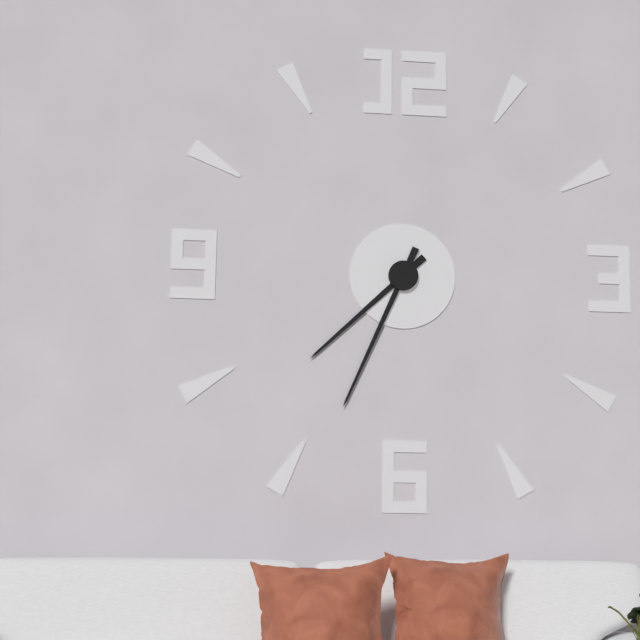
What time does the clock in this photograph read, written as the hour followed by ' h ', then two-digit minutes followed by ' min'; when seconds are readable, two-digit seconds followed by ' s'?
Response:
7 h 34 min
